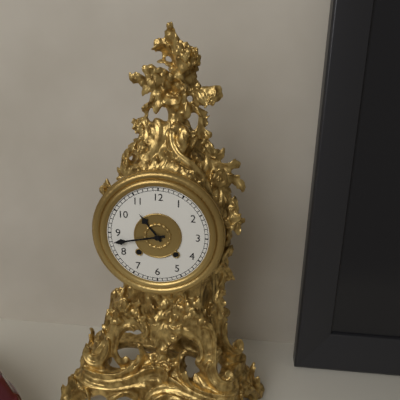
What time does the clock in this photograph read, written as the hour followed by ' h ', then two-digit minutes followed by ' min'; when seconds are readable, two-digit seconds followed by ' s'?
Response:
10 h 43 min
